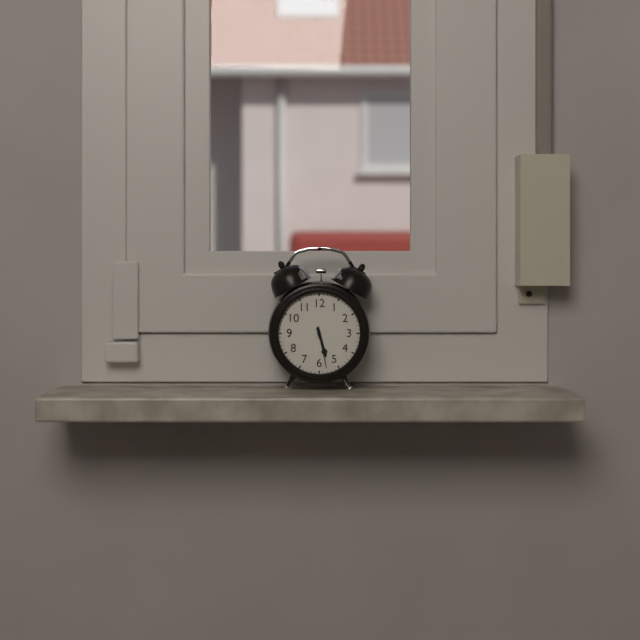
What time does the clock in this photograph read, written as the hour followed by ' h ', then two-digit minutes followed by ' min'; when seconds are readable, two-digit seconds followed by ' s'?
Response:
5 h 28 min
